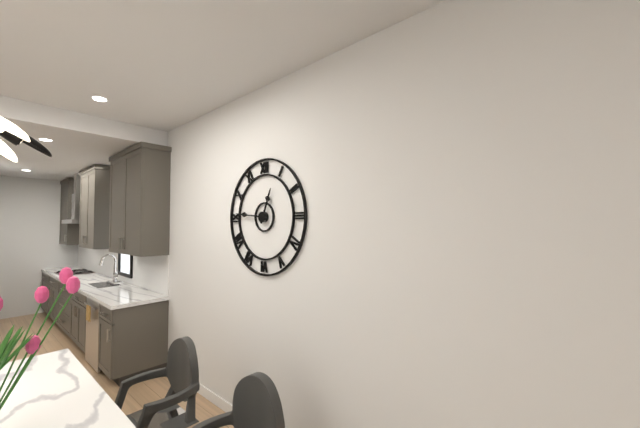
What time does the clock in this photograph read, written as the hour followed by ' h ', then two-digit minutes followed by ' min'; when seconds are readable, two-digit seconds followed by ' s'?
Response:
12 h 46 min
